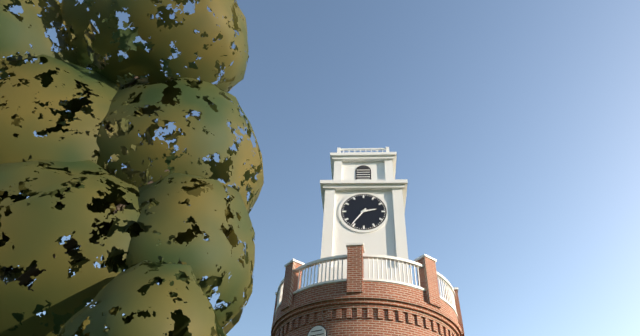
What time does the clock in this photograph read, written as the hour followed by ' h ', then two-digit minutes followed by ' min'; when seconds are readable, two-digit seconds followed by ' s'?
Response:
2 h 36 min
